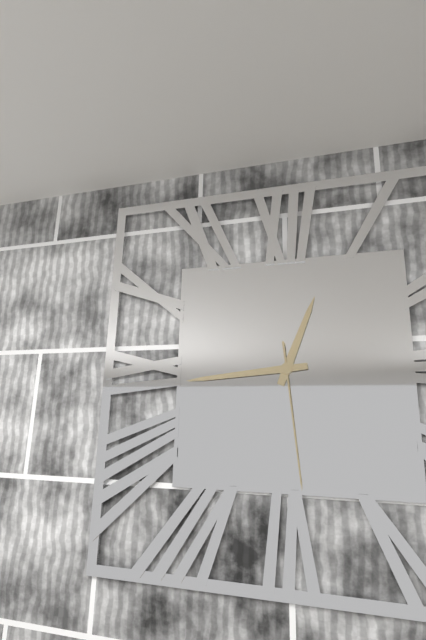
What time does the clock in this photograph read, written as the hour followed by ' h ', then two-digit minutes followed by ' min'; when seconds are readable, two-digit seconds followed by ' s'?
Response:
12 h 44 min 29 s
